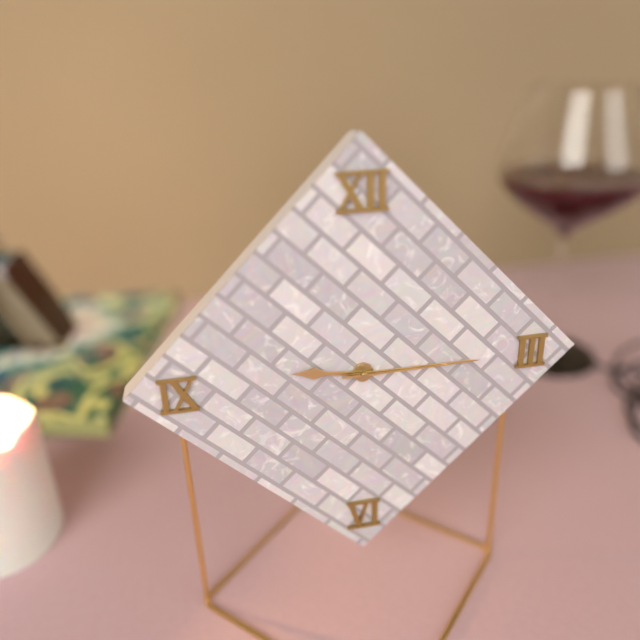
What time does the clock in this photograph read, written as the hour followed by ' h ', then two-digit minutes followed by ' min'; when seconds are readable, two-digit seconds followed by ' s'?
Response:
9 h 15 min 15 s
